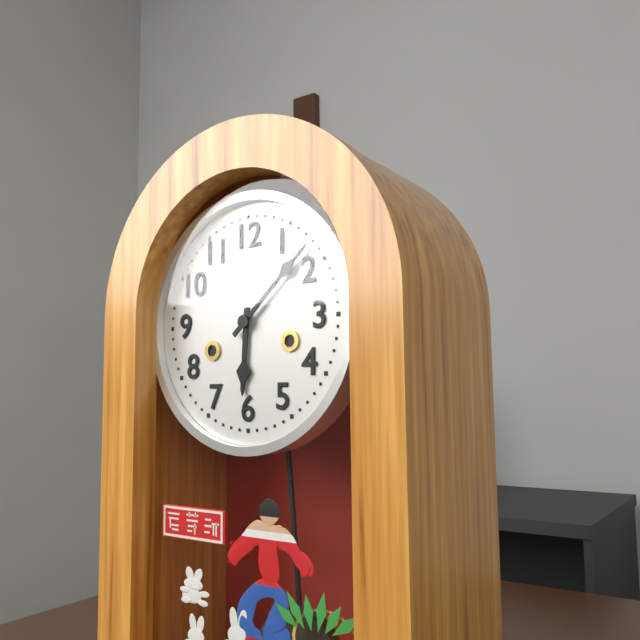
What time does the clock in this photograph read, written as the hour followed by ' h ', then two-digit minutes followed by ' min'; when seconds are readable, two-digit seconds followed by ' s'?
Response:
6 h 08 min
